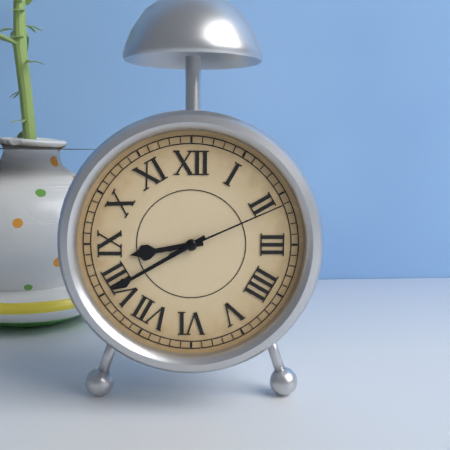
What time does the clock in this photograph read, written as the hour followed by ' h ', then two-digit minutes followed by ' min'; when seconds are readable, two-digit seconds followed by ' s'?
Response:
8 h 40 min 11 s
